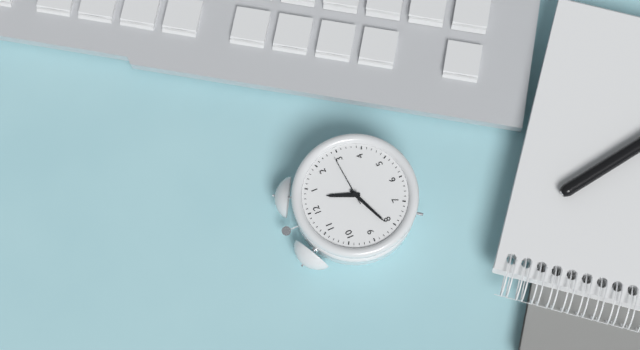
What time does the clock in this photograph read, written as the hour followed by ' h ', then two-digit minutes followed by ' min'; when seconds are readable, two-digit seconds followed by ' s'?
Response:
12 h 41 min 14 s
